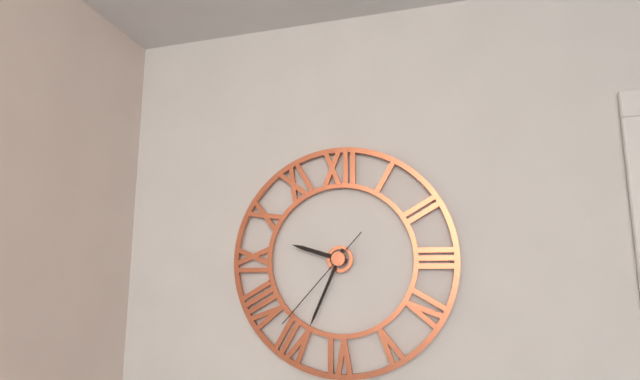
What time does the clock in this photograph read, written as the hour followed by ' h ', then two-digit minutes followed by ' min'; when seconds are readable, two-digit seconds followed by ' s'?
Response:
9 h 34 min 37 s
